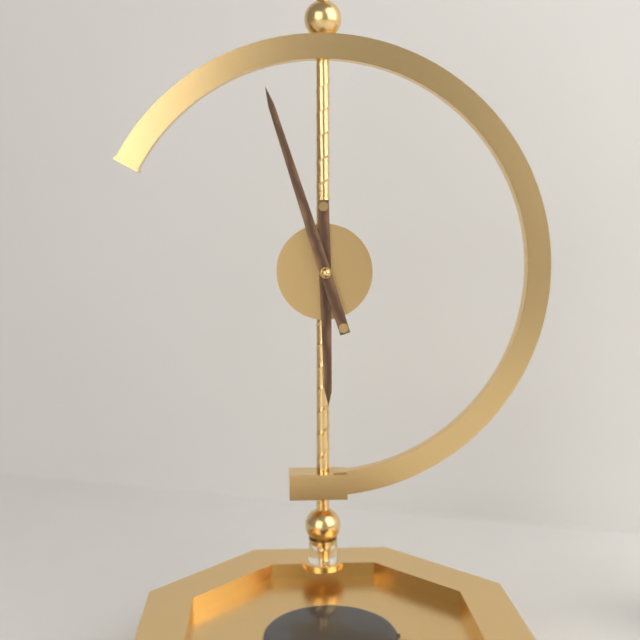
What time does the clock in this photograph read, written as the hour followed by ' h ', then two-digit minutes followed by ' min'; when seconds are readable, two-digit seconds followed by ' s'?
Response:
5 h 57 min
